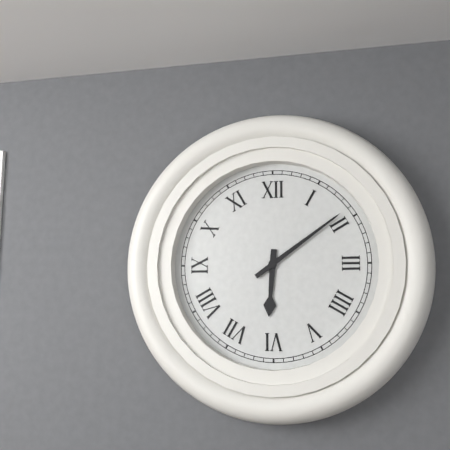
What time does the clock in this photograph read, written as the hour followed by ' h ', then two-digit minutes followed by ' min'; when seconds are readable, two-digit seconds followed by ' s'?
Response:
6 h 09 min
